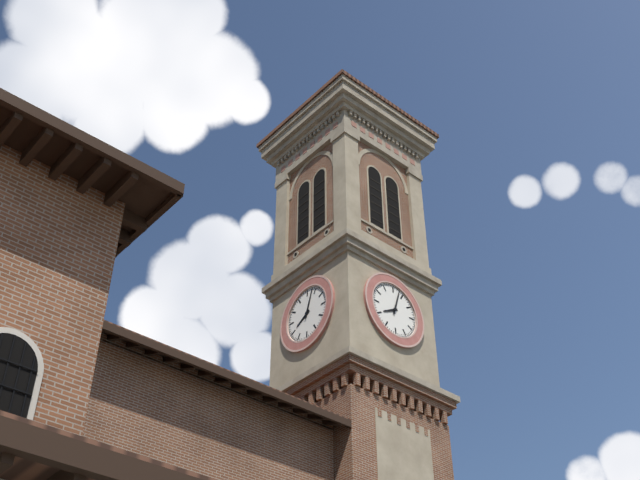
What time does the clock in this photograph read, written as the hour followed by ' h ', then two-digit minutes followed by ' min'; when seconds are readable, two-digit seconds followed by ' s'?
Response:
8 h 03 min
